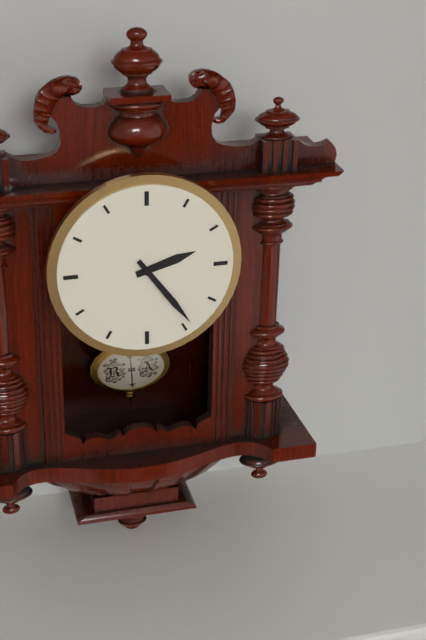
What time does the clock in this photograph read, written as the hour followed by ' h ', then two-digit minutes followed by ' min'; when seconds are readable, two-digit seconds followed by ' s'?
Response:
2 h 24 min
